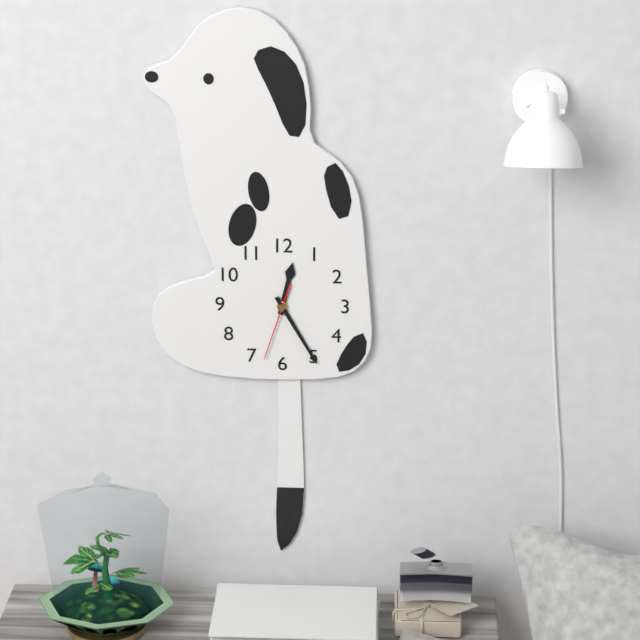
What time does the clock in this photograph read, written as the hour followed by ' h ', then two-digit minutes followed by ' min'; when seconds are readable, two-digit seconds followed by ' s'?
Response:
12 h 25 min 33 s
